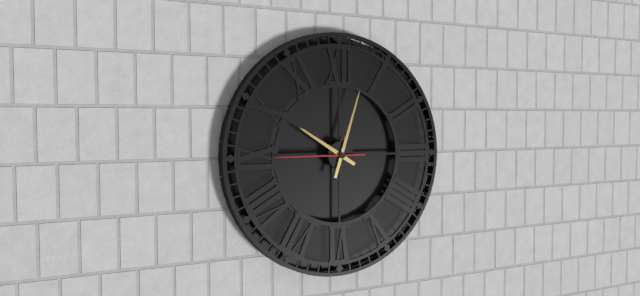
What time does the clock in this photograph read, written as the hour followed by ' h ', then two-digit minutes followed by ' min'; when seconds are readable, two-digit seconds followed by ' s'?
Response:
10 h 03 min 45 s
